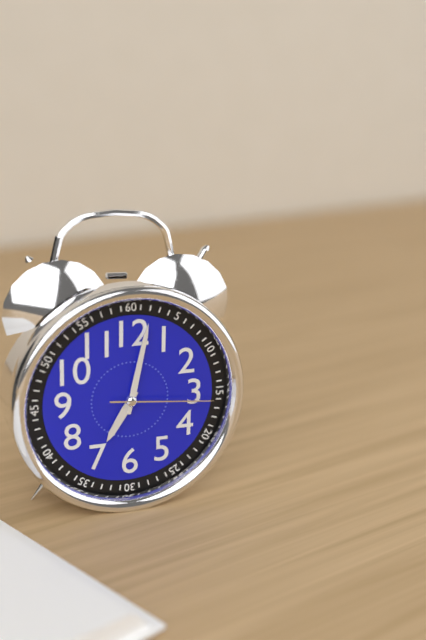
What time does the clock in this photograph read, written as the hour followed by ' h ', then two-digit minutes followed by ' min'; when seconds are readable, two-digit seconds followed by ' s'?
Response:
7 h 02 min 16 s
